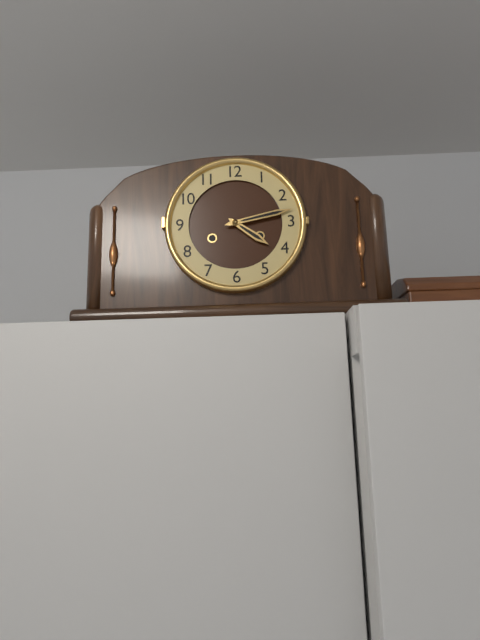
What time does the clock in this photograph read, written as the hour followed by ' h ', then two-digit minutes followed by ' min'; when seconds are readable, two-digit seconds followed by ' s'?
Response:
4 h 13 min
